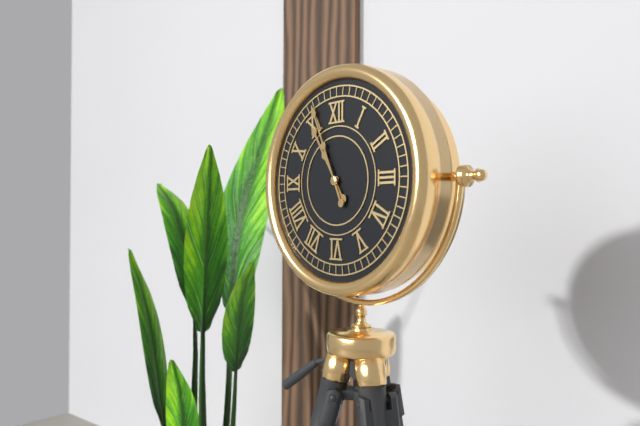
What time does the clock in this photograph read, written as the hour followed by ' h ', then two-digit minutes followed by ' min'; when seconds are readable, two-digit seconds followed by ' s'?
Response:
10 h 56 min
